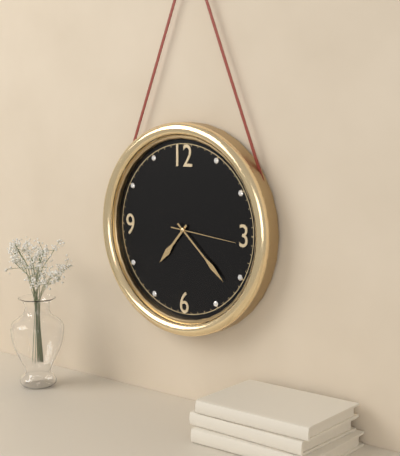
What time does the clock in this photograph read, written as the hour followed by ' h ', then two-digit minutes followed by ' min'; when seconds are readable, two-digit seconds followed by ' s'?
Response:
7 h 22 min 16 s
